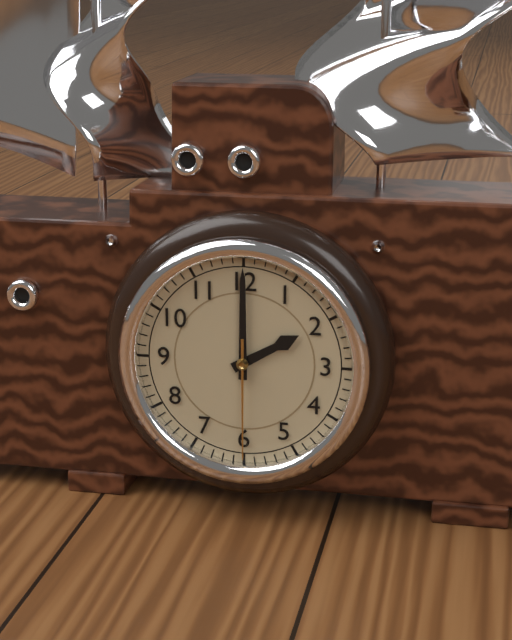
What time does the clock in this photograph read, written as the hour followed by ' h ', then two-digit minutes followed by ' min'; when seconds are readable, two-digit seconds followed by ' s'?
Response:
2 h 00 min 30 s
